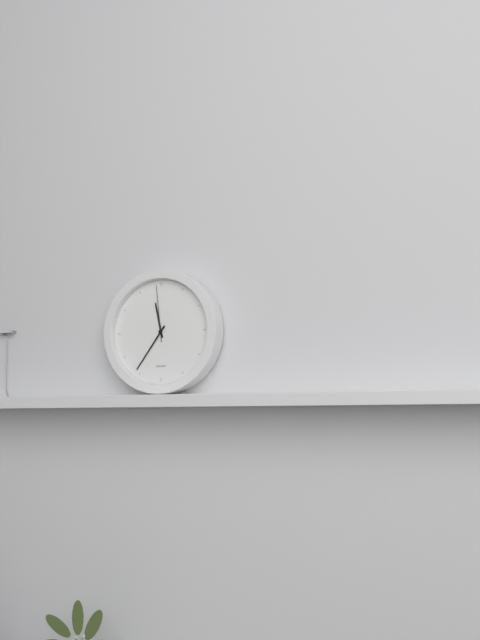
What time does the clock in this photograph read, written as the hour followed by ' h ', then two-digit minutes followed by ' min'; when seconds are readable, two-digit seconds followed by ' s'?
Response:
11 h 36 min 59 s
